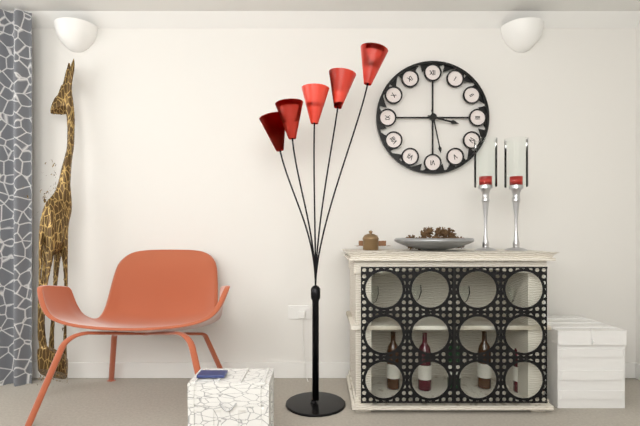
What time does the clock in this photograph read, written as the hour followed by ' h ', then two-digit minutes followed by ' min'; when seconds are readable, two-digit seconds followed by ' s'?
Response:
3 h 28 min
